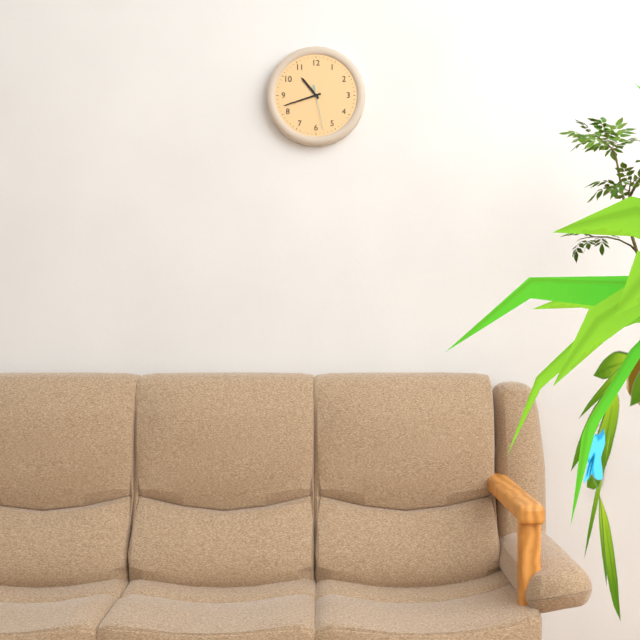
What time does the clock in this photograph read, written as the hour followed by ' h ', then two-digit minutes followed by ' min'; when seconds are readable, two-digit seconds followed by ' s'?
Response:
10 h 42 min
